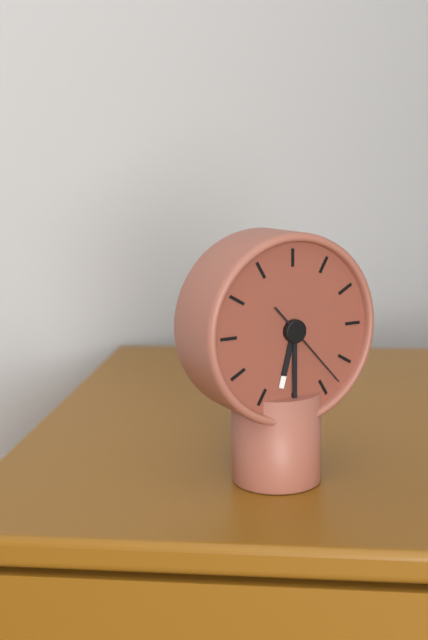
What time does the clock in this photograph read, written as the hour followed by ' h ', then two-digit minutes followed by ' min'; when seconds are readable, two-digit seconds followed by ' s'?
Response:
6 h 30 min 23 s
